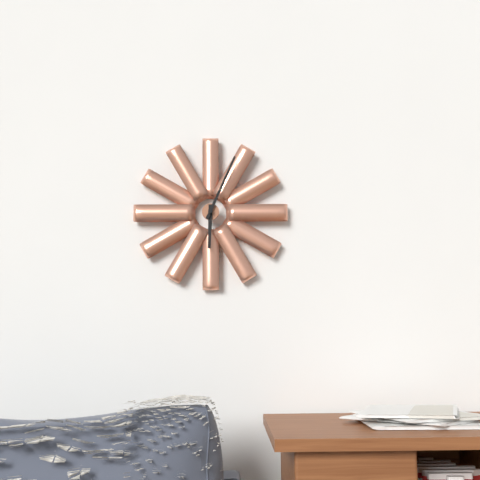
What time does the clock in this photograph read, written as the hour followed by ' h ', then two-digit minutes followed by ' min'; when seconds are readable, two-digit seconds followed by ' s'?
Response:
6 h 04 min
